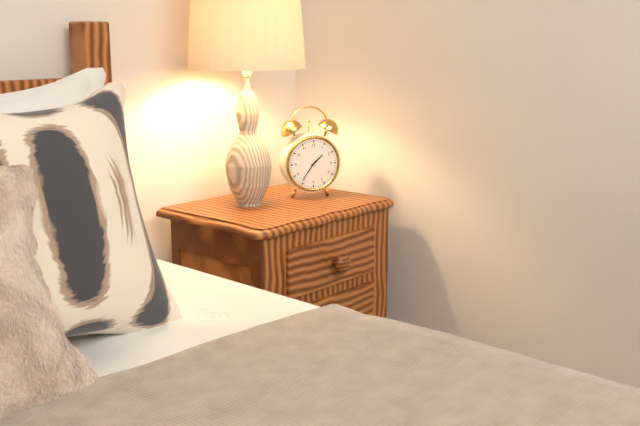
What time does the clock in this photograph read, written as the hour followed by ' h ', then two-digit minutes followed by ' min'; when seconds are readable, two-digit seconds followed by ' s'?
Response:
1 h 36 min
